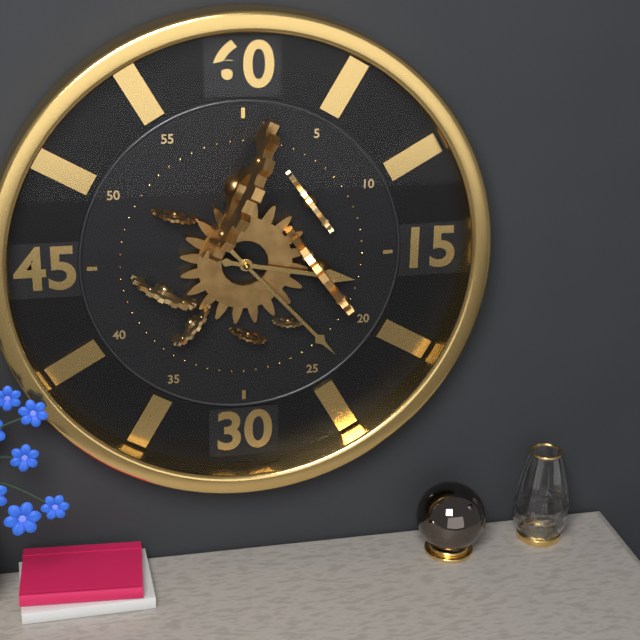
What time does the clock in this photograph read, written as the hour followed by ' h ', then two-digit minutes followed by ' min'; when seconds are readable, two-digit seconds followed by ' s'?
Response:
3 h 23 min
